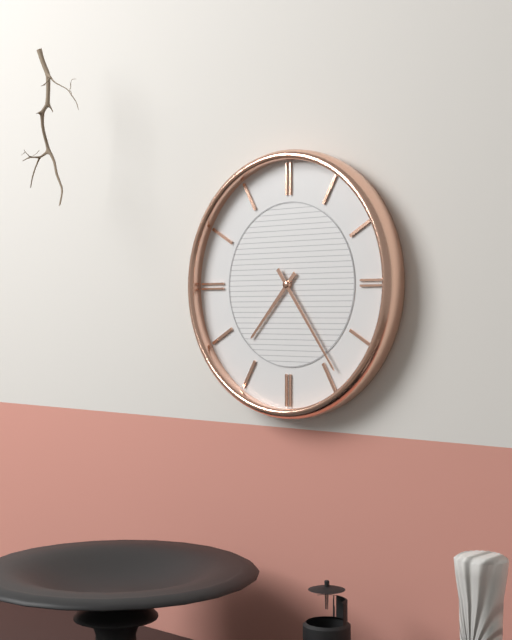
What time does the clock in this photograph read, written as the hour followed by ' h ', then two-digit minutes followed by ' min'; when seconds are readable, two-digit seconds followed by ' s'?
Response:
7 h 24 min
